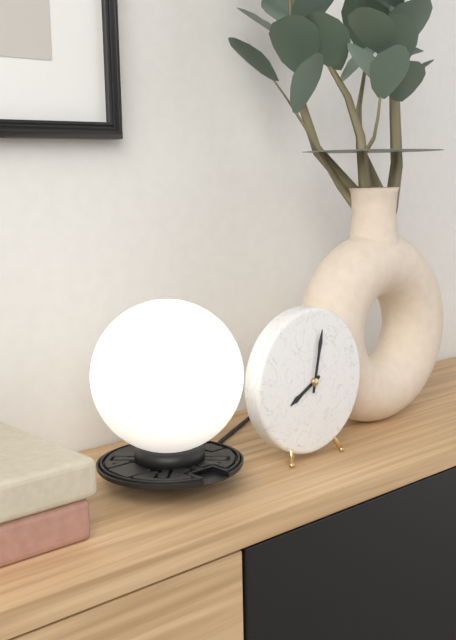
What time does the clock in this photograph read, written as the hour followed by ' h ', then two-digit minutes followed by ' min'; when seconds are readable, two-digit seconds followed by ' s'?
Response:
8 h 02 min
